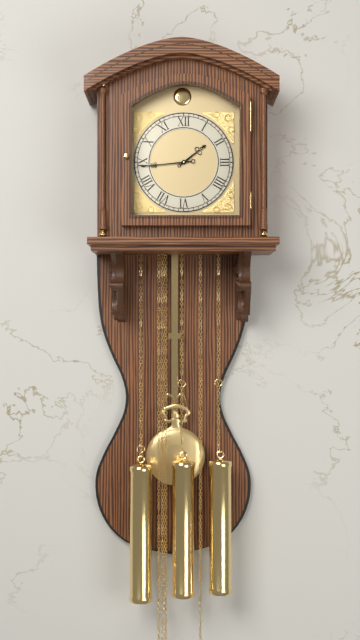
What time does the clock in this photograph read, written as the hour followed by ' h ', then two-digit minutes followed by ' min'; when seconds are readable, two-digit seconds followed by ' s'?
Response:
1 h 44 min
